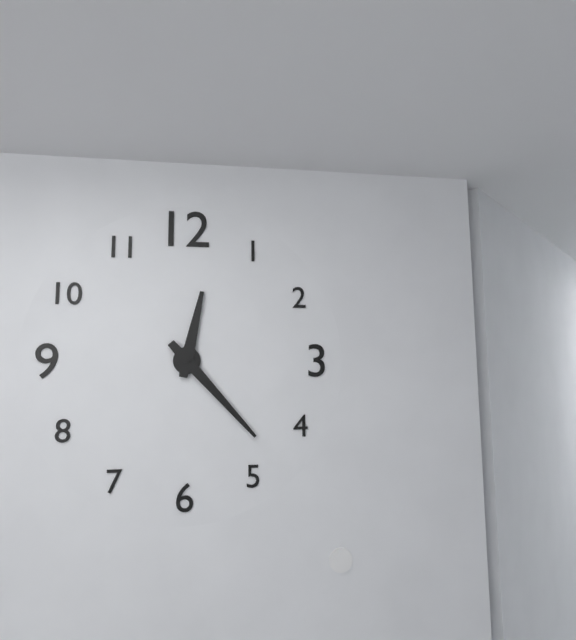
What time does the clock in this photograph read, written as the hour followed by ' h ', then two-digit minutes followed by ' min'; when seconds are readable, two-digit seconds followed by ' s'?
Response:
12 h 23 min
